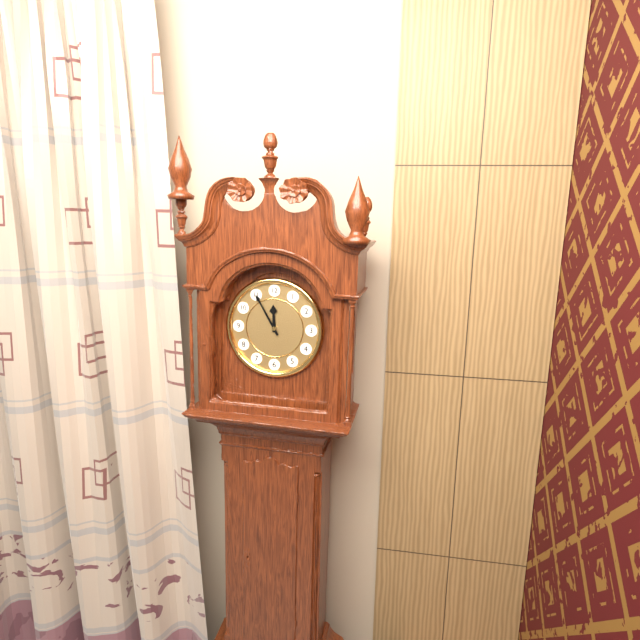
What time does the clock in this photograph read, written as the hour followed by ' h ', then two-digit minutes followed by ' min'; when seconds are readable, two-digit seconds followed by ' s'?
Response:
11 h 55 min
